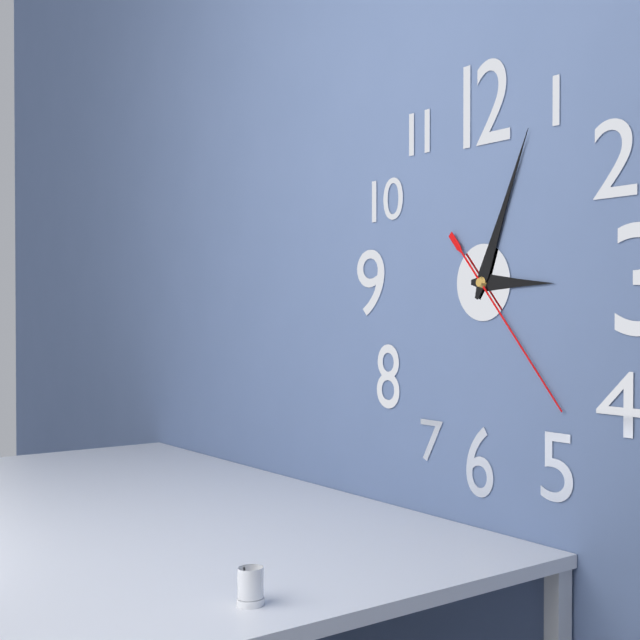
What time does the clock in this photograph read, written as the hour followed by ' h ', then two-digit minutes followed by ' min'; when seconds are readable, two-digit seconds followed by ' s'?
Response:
3 h 04 min 23 s
